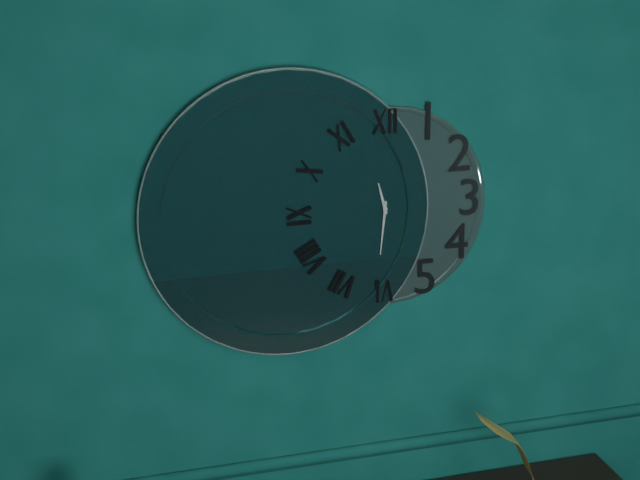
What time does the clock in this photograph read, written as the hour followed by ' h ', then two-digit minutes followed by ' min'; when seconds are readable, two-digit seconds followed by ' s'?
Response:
11 h 31 min
